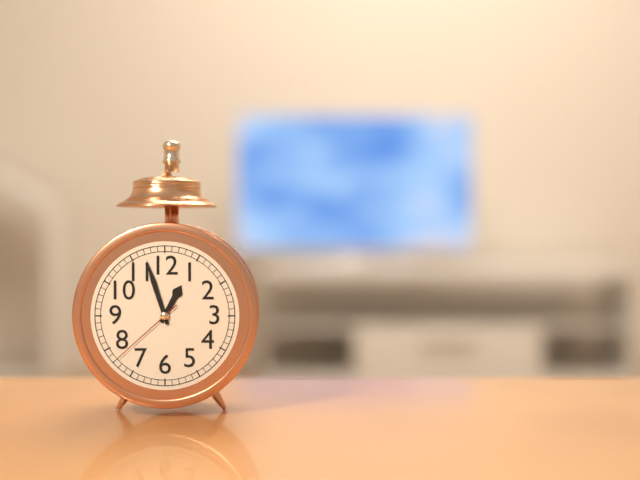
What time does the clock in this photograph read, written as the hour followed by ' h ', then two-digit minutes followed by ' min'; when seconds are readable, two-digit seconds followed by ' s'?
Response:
12 h 57 min 38 s
